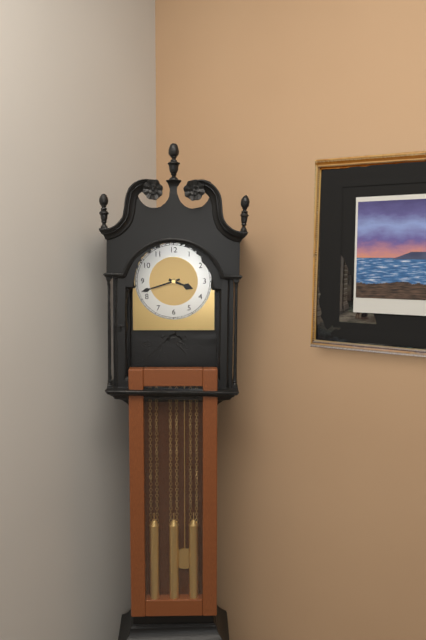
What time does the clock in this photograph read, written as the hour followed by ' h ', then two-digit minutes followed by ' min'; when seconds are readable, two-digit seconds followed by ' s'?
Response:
3 h 42 min
